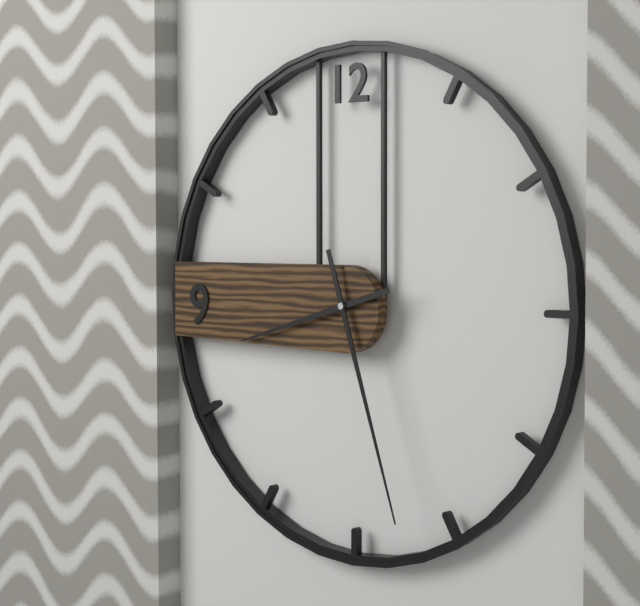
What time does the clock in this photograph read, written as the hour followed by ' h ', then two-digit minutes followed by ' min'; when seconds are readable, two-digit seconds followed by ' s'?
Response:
8 h 27 min
